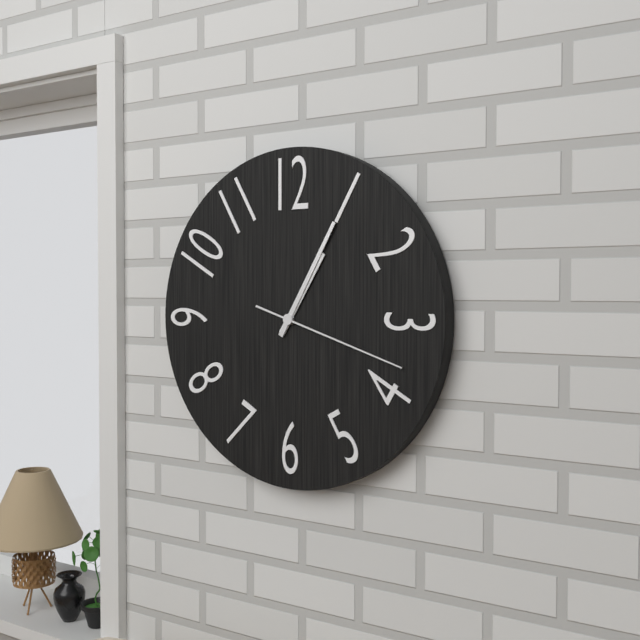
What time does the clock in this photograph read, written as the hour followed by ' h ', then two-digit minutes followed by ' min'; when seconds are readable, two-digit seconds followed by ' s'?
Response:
1 h 05 min 18 s
